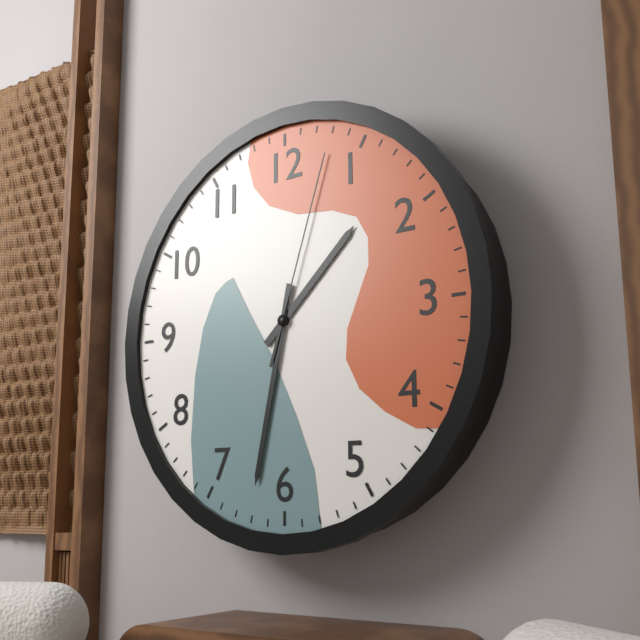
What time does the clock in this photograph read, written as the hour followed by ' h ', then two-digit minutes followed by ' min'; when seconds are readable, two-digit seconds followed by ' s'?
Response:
1 h 32 min 03 s
